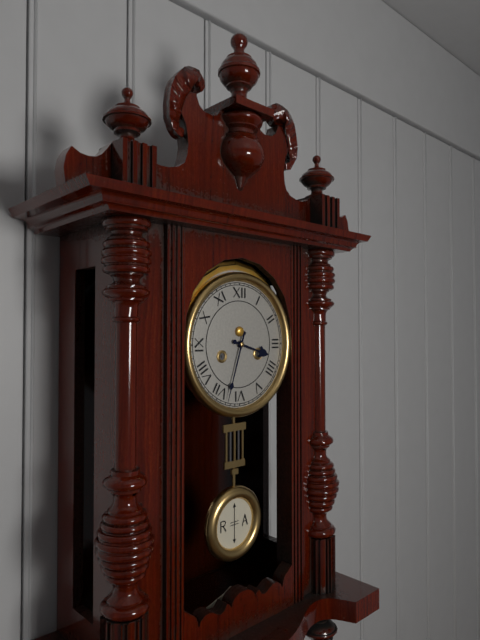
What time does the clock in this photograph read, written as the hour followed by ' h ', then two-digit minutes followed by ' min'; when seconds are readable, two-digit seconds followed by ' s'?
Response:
3 h 33 min
